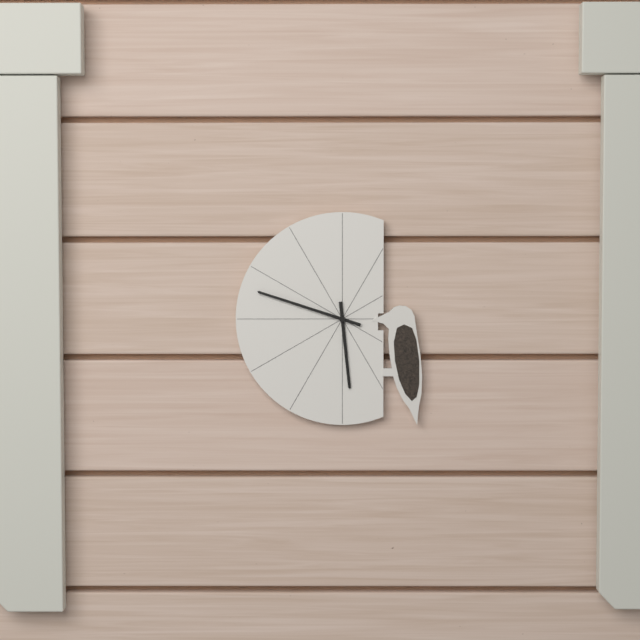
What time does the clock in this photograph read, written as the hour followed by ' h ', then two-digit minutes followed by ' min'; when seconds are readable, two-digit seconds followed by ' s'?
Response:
5 h 48 min
